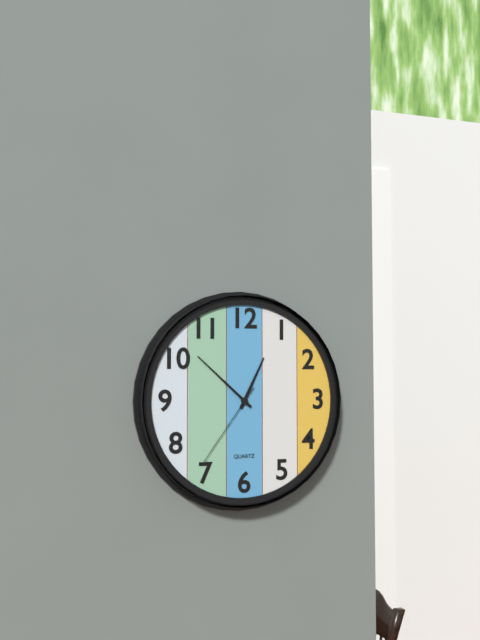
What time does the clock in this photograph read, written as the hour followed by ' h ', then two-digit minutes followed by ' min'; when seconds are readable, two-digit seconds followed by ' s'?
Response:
12 h 52 min 36 s
